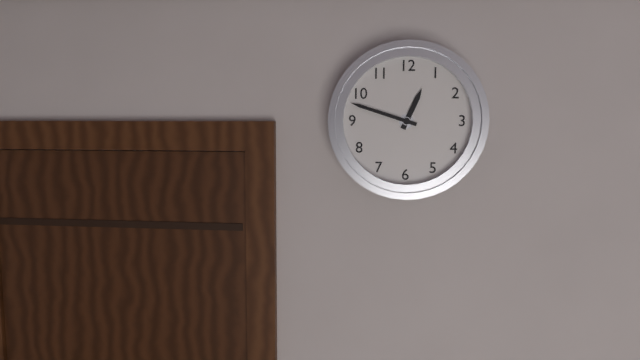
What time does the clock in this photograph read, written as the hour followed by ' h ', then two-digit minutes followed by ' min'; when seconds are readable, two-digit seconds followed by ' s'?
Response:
12 h 48 min
